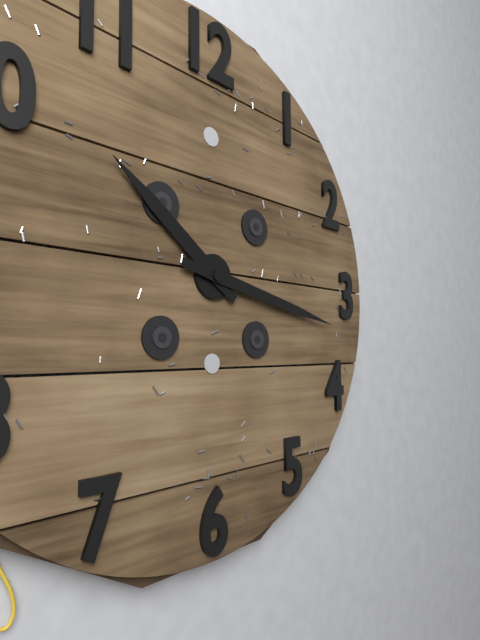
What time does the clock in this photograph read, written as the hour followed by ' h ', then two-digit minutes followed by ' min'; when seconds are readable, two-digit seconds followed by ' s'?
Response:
10 h 17 min
